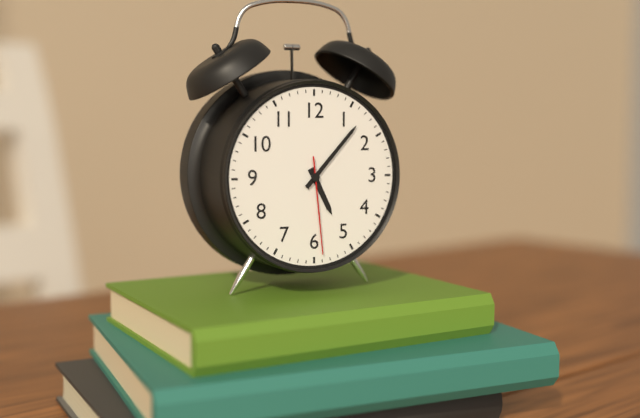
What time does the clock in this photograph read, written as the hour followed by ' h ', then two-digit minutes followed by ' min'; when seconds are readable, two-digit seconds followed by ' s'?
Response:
5 h 07 min 29 s
